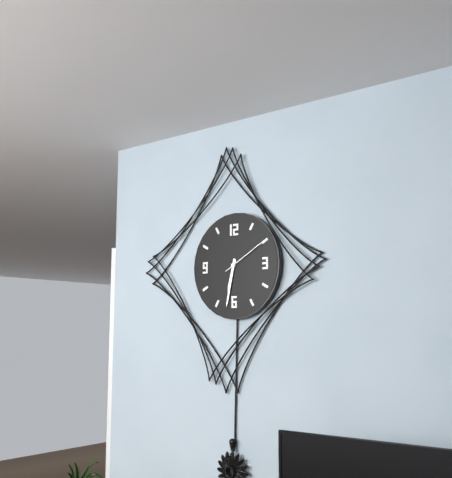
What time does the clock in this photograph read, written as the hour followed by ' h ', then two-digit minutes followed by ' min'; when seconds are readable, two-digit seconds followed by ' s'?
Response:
6 h 32 min 10 s
